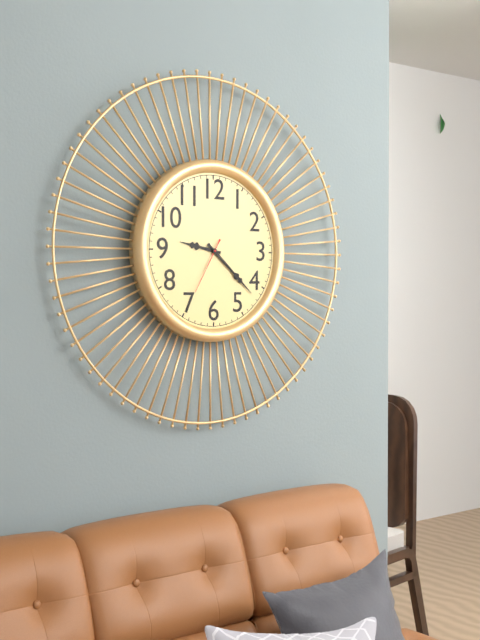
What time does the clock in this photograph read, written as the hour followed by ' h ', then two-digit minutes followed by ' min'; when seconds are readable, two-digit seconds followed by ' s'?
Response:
9 h 22 min 35 s
